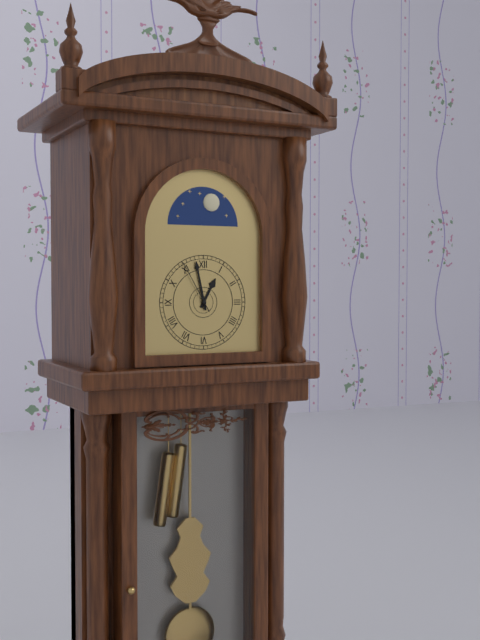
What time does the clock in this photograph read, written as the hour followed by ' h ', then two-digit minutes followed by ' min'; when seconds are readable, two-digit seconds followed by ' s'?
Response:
12 h 58 min 55 s
